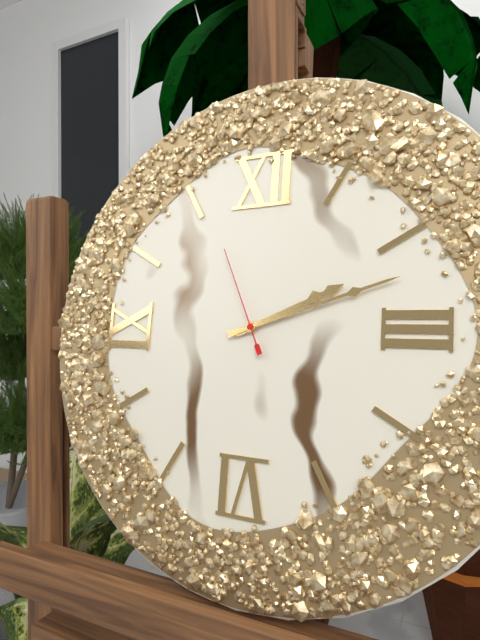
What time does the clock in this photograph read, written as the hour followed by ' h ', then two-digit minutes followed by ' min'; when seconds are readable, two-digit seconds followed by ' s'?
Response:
2 h 12 min 56 s
